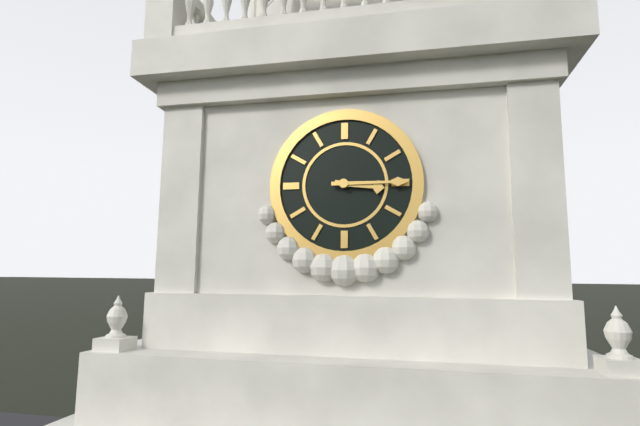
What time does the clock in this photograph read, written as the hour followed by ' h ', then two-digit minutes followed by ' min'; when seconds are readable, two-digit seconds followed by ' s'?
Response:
3 h 15 min
